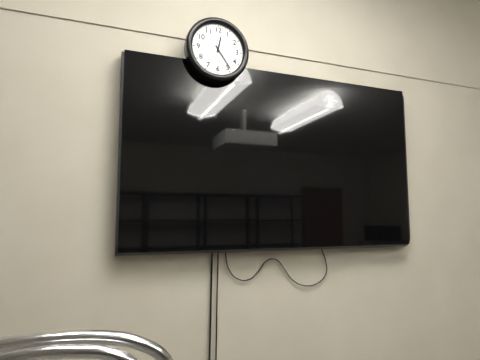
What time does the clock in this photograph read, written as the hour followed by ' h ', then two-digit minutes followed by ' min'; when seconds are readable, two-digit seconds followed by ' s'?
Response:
12 h 24 min
